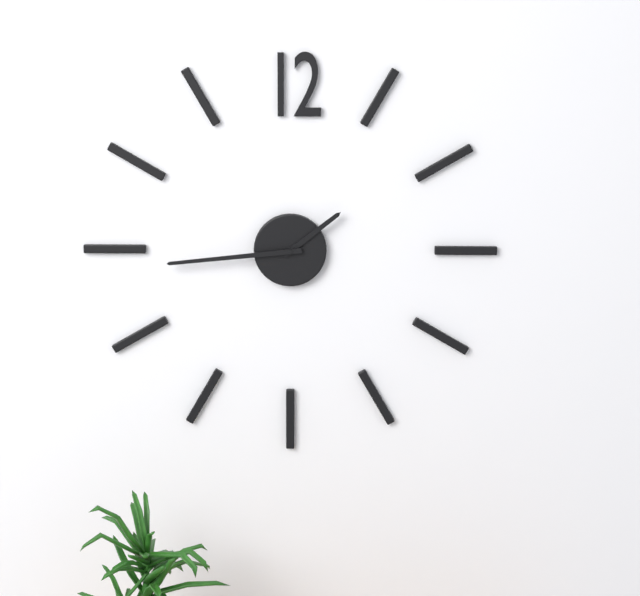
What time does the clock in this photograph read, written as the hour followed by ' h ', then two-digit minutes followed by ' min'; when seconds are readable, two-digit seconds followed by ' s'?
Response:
1 h 44 min
